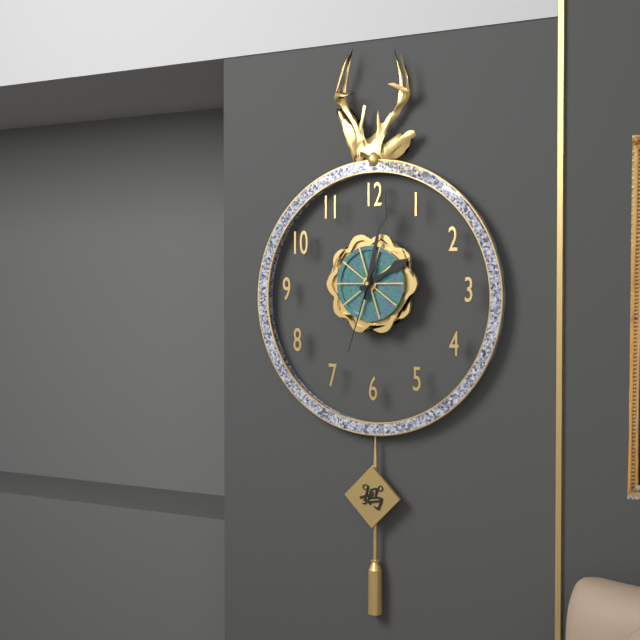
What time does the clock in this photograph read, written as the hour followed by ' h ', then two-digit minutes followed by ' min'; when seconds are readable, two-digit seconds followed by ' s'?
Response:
2 h 02 min 33 s
